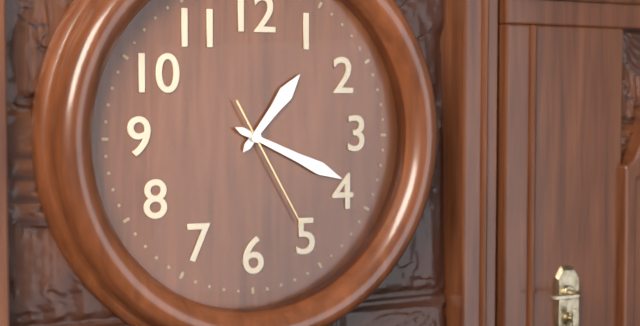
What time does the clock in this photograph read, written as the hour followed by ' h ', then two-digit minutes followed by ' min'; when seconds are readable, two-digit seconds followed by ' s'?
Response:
1 h 19 min 25 s
